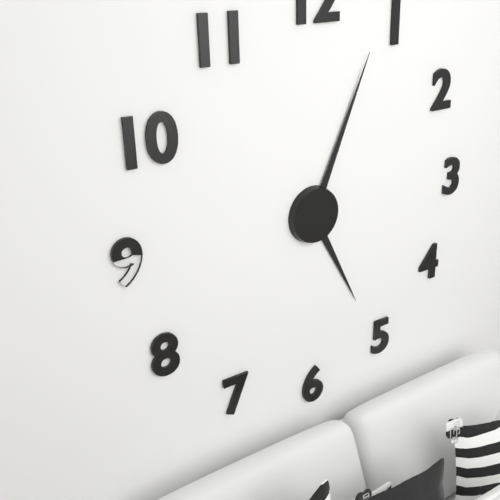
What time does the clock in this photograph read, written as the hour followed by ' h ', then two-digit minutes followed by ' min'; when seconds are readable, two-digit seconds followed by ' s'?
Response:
5 h 04 min
